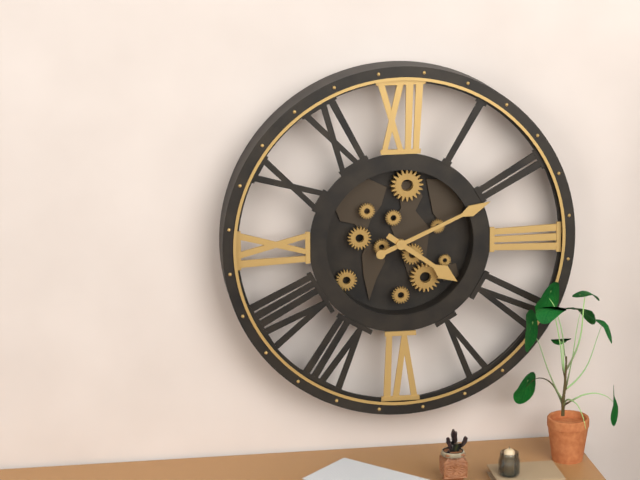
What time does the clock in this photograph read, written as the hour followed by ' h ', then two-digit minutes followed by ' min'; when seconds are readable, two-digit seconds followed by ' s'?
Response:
4 h 11 min
